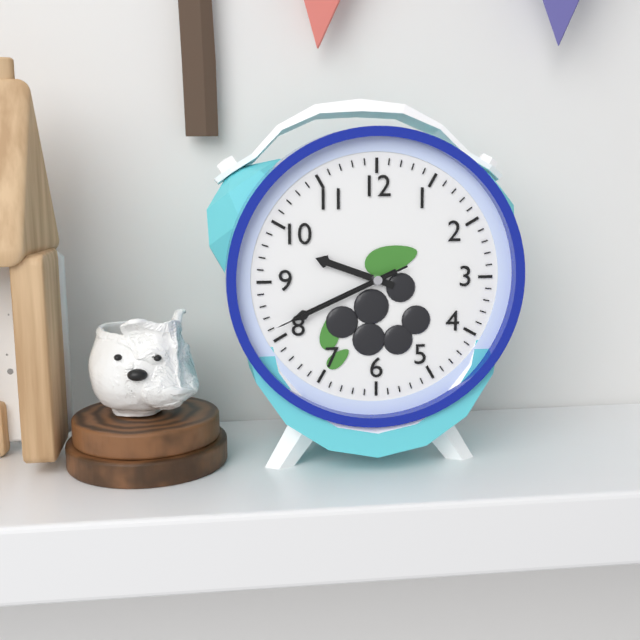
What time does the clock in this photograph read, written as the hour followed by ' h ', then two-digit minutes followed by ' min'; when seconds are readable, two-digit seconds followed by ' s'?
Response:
9 h 41 min 41 s
